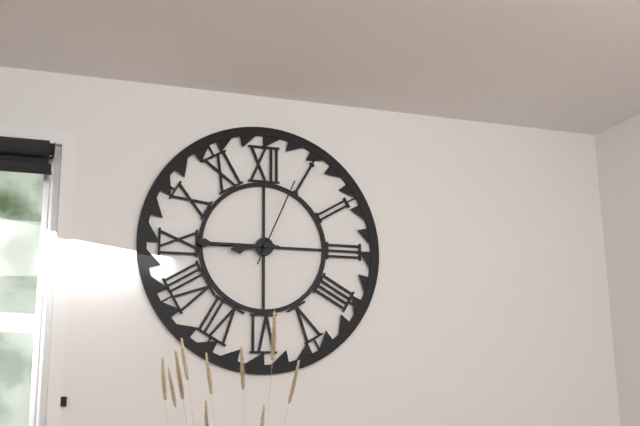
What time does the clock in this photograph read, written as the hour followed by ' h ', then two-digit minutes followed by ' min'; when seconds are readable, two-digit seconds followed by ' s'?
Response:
8 h 45 min 04 s
